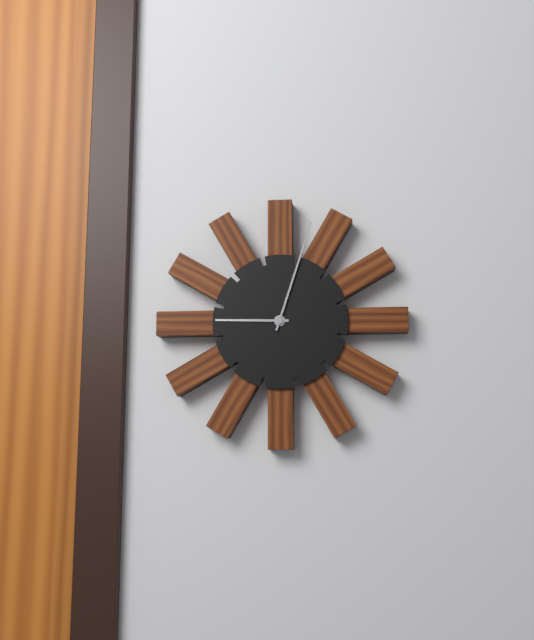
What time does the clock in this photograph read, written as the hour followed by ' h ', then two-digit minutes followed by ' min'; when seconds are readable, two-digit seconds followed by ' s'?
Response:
9 h 03 min
